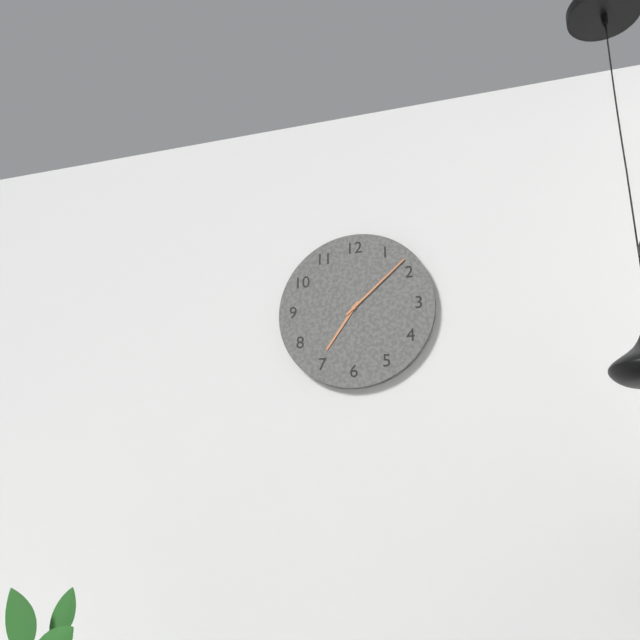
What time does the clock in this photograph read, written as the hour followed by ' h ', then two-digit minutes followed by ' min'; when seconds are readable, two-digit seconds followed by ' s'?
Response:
7 h 08 min
